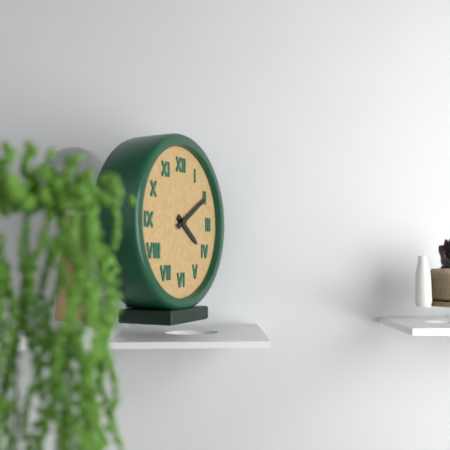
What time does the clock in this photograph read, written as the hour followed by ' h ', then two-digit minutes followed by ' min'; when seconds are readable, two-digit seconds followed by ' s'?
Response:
4 h 10 min
